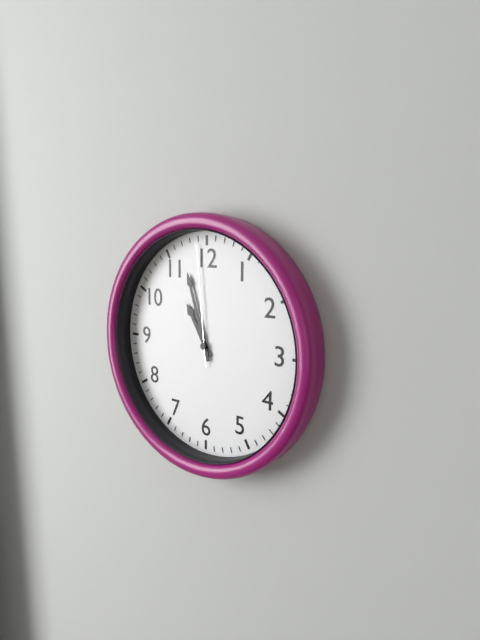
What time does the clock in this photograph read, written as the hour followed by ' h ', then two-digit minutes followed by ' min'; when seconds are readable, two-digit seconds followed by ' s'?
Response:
10 h 57 min 59 s
